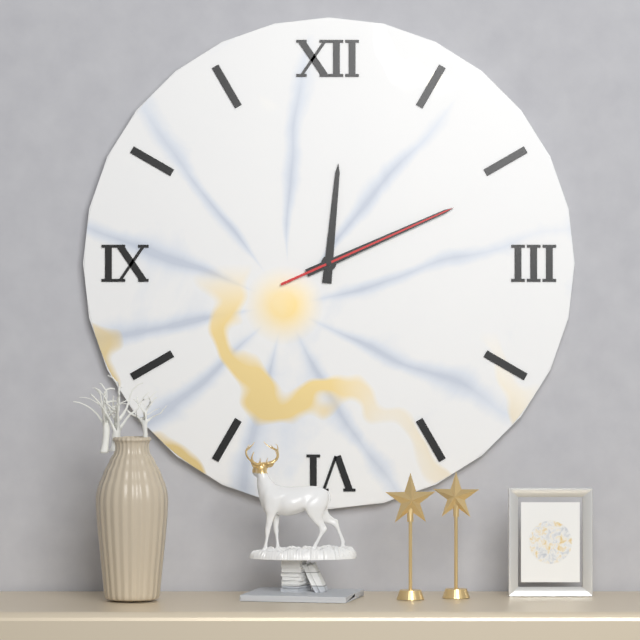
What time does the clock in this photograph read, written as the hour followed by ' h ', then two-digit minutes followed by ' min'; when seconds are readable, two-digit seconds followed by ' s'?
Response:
12 h 11 min 11 s
